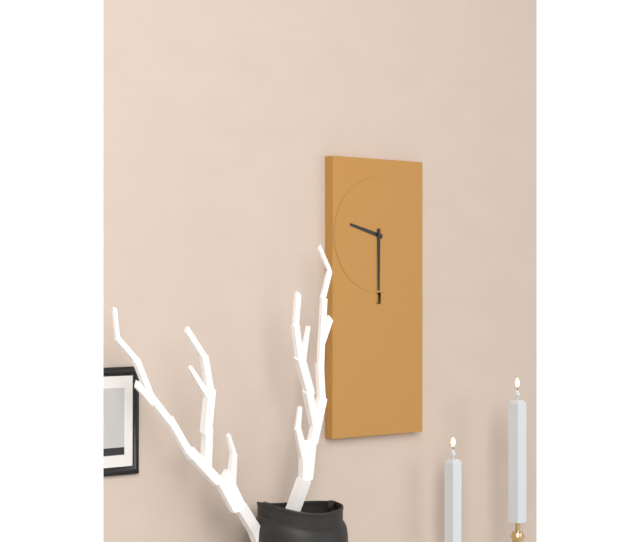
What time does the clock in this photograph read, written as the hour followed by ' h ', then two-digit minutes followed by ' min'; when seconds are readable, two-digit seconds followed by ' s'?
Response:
9 h 30 min
